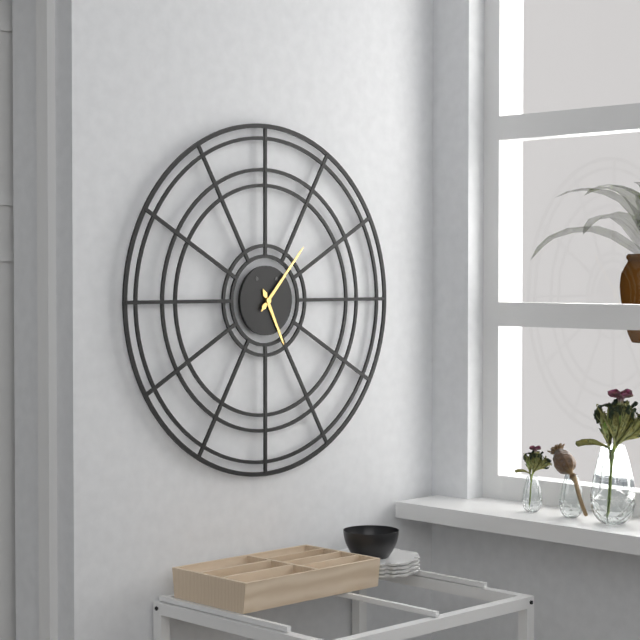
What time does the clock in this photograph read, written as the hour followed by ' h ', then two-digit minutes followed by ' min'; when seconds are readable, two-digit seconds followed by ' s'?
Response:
5 h 07 min
